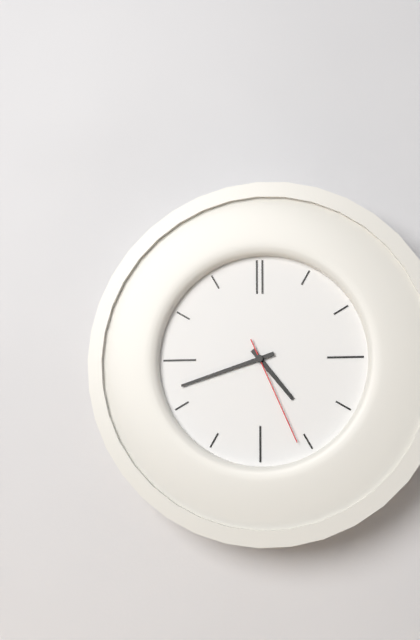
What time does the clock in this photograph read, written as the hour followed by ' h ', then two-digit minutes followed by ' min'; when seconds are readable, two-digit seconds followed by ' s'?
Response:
4 h 42 min 26 s
